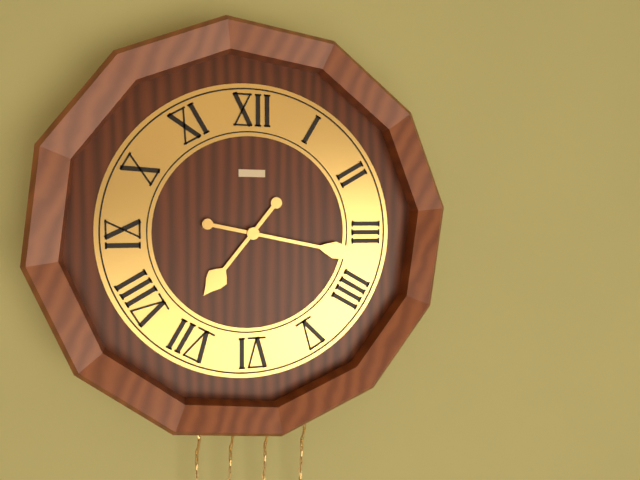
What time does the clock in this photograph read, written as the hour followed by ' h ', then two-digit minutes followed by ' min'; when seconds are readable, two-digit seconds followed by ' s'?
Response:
7 h 17 min
